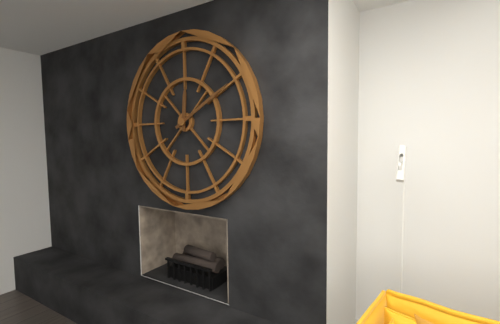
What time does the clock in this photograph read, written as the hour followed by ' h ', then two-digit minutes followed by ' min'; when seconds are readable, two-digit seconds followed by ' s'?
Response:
12 h 10 min
